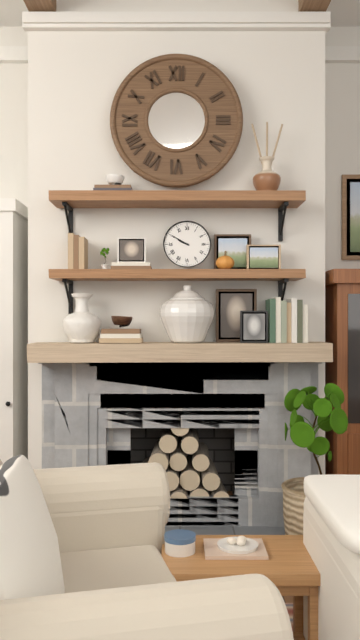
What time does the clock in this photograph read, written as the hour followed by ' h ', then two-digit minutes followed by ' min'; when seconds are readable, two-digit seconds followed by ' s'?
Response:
9 h 50 min
